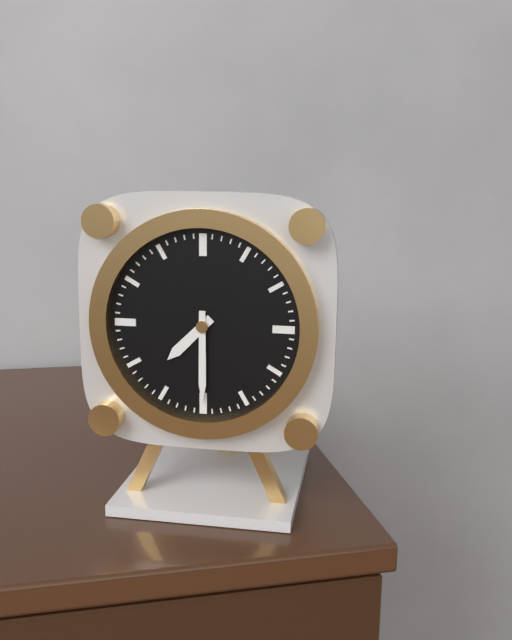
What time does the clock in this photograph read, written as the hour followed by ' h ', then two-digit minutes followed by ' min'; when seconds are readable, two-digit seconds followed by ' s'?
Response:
7 h 30 min
